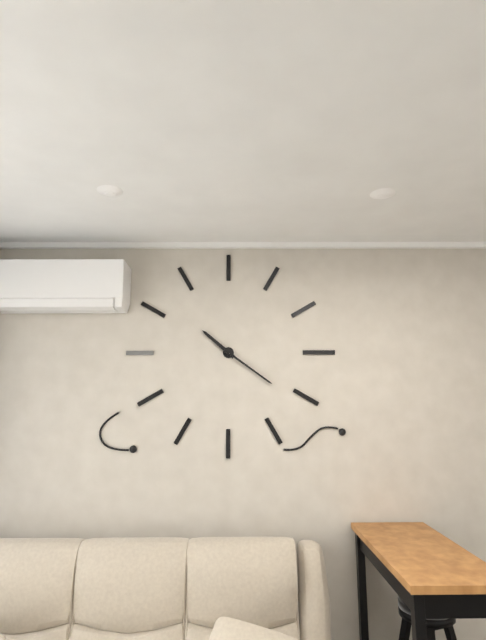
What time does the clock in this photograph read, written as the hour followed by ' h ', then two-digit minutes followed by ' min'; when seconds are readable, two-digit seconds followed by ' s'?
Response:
10 h 21 min
